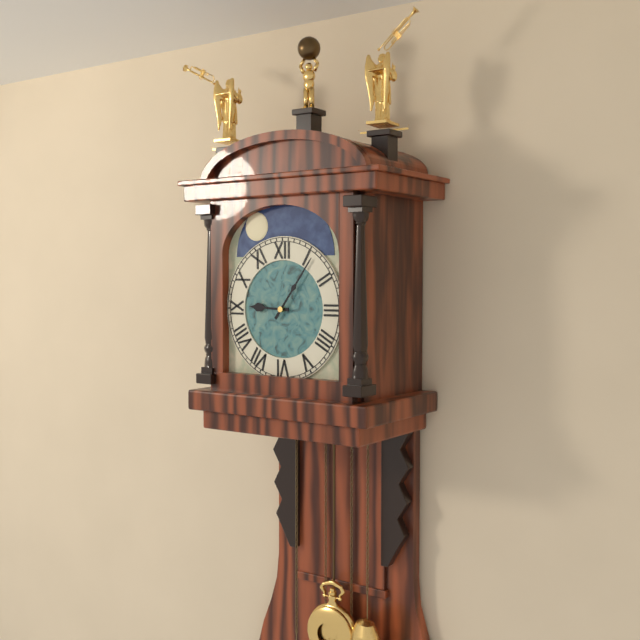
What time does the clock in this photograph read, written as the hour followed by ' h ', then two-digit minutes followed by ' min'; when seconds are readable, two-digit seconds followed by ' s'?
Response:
9 h 06 min
